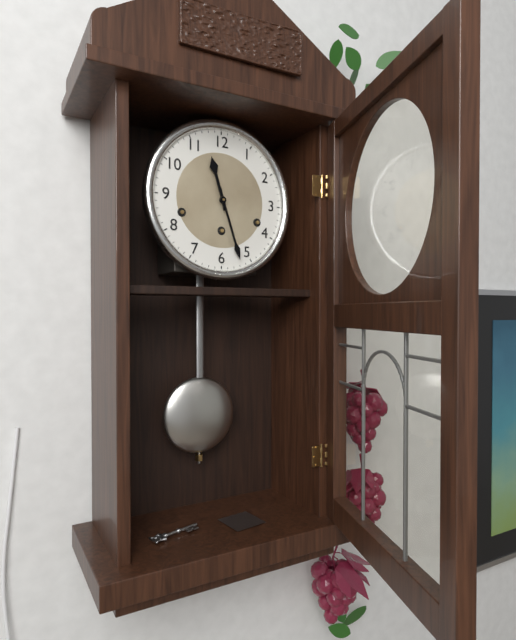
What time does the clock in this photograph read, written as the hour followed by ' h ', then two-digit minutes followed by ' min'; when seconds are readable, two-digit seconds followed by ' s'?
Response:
11 h 27 min
